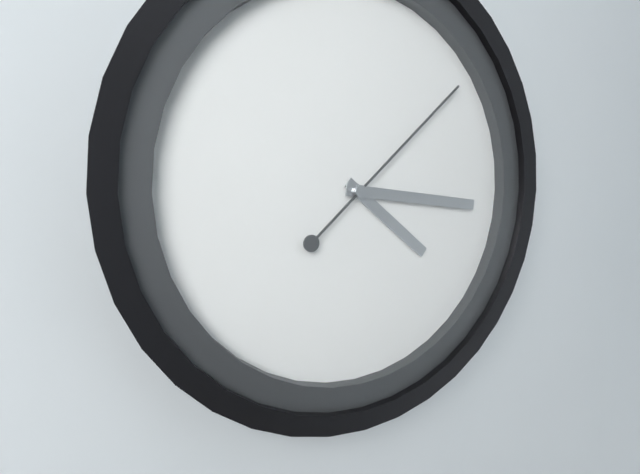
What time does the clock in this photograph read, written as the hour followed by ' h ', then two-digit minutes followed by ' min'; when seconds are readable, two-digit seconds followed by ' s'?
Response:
4 h 16 min 08 s
